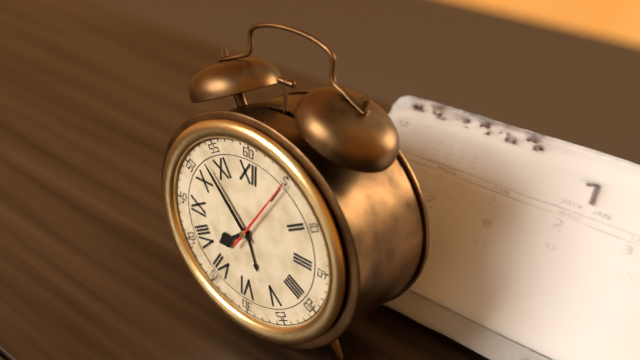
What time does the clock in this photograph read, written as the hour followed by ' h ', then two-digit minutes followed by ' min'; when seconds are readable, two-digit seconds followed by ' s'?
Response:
7 h 52 min 06 s
